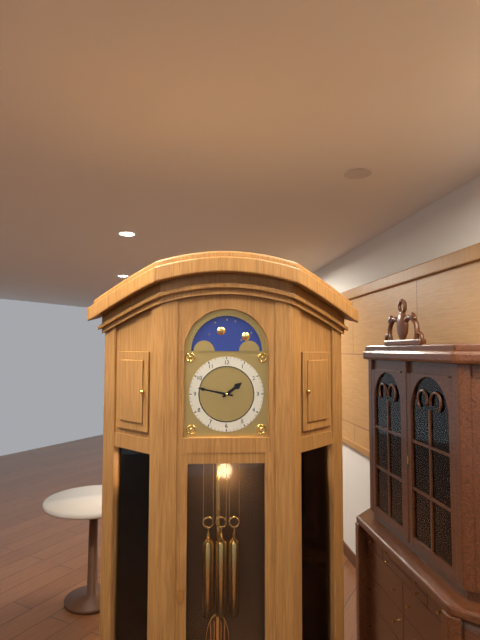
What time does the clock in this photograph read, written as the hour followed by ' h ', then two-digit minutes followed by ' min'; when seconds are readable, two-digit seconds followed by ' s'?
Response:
1 h 47 min
